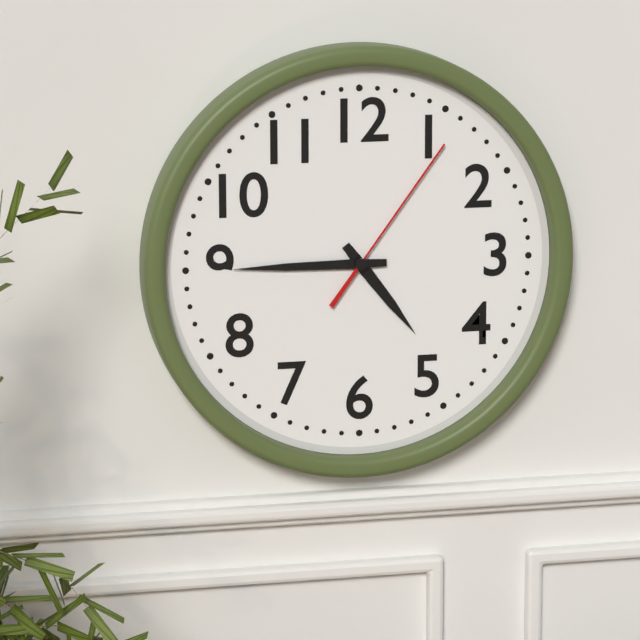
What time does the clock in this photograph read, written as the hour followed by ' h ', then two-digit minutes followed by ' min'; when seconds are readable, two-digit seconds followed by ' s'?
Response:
4 h 45 min 06 s
